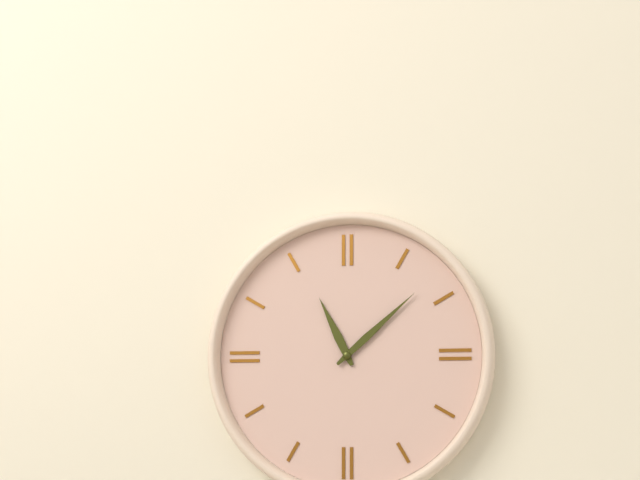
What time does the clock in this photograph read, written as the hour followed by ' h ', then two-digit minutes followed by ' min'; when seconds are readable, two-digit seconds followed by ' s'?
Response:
11 h 08 min
